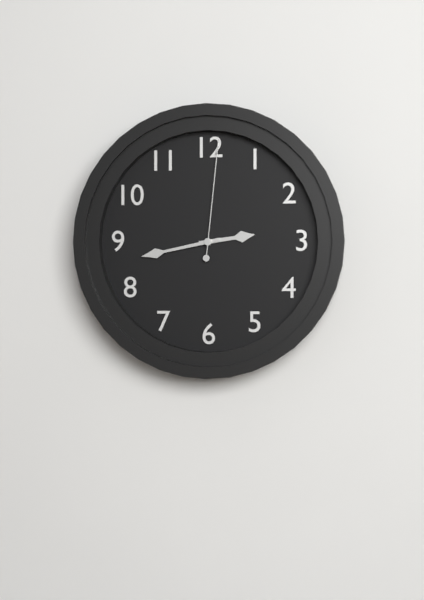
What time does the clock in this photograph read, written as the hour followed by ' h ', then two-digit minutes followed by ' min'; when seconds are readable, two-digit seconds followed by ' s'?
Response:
2 h 43 min 01 s
